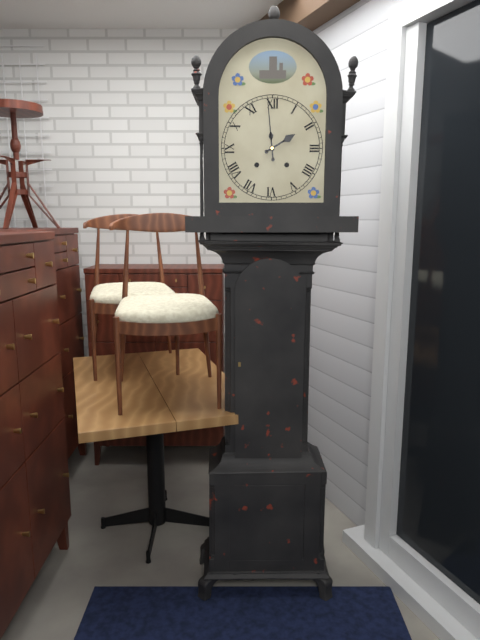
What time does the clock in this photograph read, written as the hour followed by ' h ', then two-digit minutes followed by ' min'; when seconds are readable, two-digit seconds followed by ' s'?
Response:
1 h 59 min
